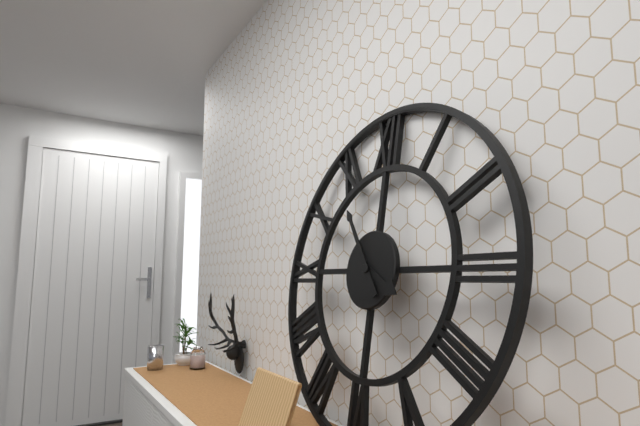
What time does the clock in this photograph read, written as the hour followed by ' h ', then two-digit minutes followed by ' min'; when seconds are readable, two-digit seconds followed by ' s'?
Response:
3 h 54 min
